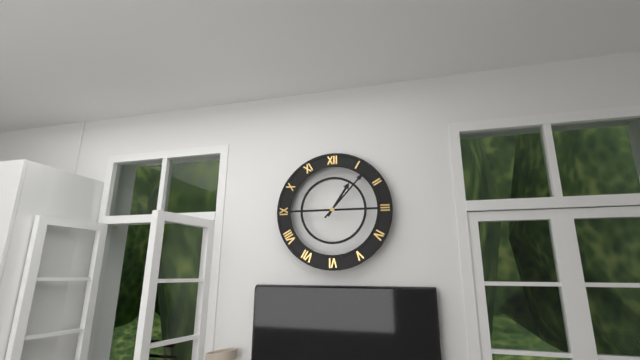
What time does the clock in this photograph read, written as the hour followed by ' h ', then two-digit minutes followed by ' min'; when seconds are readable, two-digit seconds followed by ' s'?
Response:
1 h 07 min
